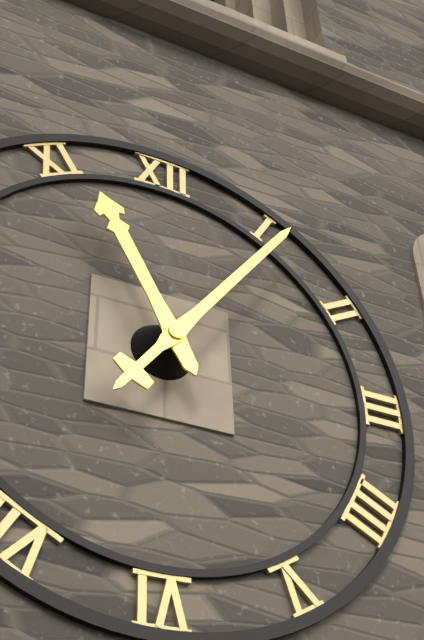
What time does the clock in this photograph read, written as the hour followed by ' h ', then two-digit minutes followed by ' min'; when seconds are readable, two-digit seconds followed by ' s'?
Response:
11 h 06 min
